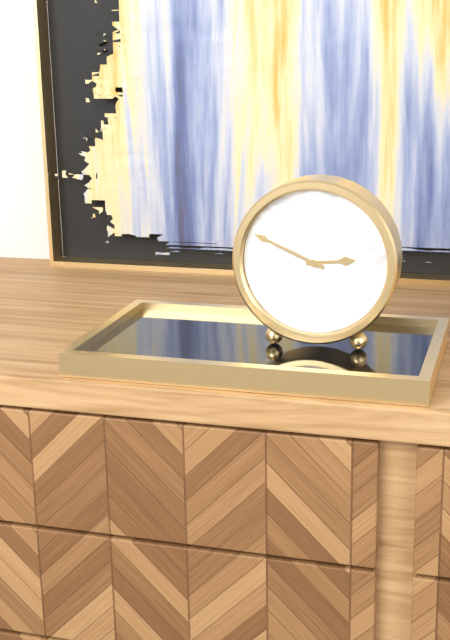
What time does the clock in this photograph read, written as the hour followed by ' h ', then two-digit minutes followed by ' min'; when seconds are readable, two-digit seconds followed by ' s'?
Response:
2 h 49 min
